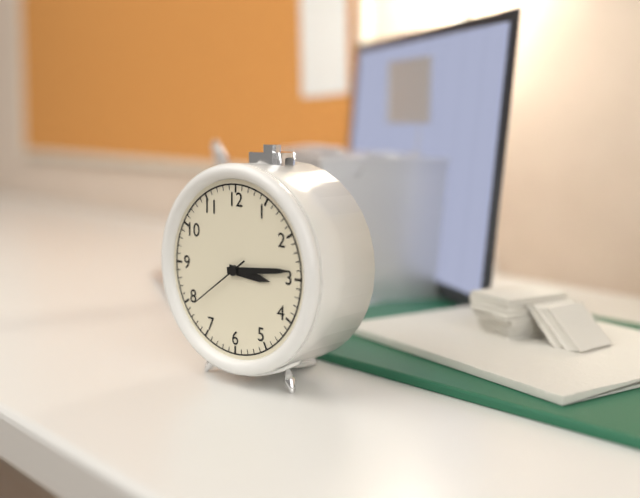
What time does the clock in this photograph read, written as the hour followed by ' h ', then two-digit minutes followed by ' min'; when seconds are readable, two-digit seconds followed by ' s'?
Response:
3 h 14 min 39 s
